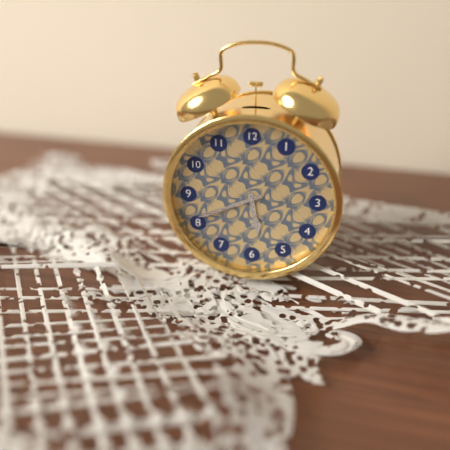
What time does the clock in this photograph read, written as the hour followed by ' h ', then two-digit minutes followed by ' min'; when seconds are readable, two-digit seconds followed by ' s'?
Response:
5 h 41 min
